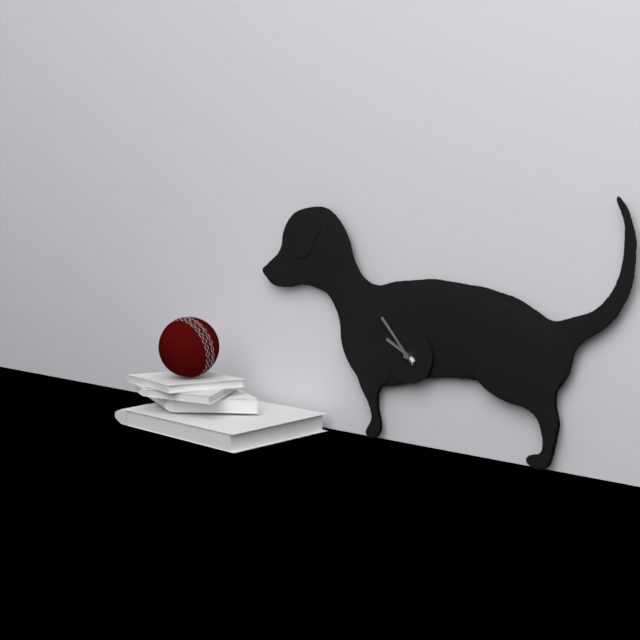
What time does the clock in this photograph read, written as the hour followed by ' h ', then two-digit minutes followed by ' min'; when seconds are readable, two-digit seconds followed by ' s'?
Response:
9 h 53 min
